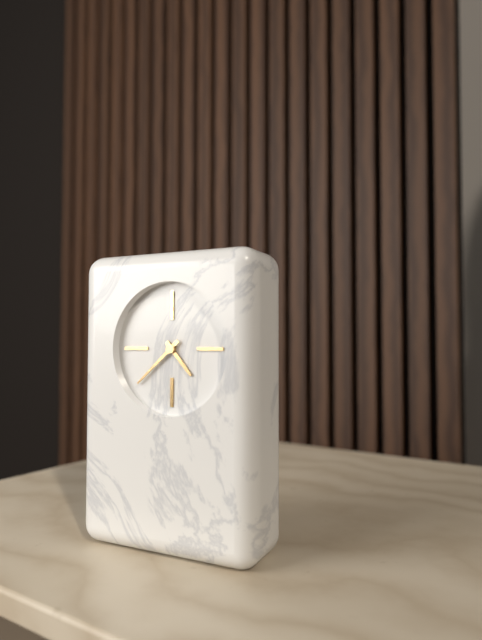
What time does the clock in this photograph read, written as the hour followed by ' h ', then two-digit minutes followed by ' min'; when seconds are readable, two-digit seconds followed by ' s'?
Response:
4 h 38 min
